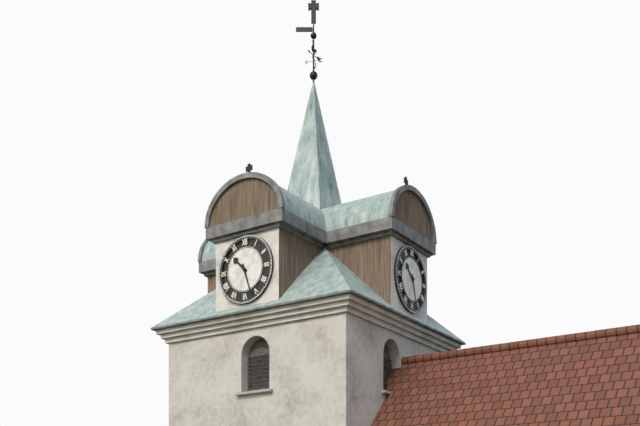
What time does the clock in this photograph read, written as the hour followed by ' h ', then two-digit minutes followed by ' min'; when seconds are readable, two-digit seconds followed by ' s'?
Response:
10 h 27 min
